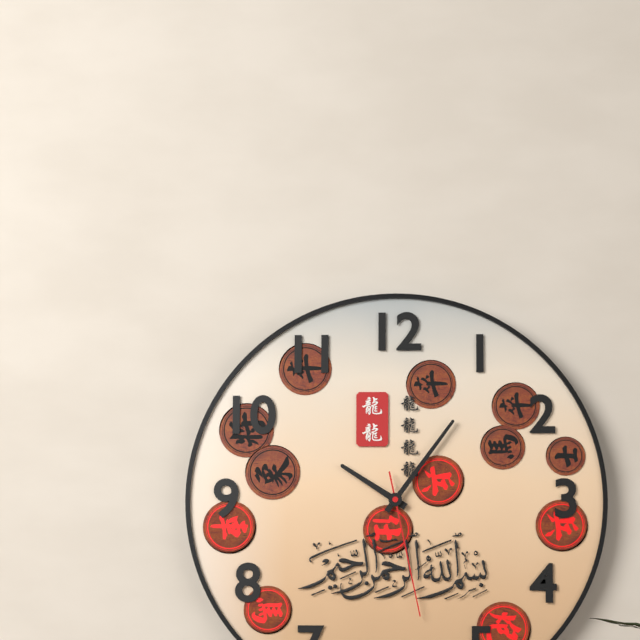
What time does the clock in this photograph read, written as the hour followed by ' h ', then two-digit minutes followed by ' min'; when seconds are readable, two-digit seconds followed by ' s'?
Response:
10 h 06 min 28 s
